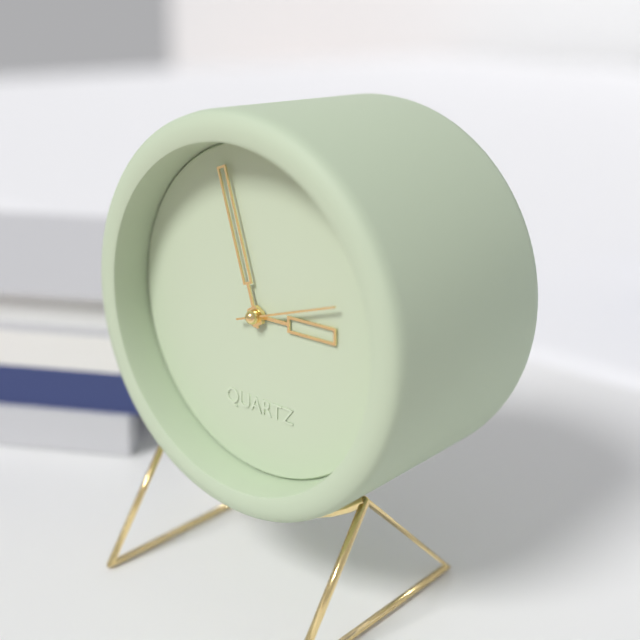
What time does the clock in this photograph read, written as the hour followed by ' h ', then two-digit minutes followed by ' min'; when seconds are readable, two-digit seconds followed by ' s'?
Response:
2 h 57 min 12 s
